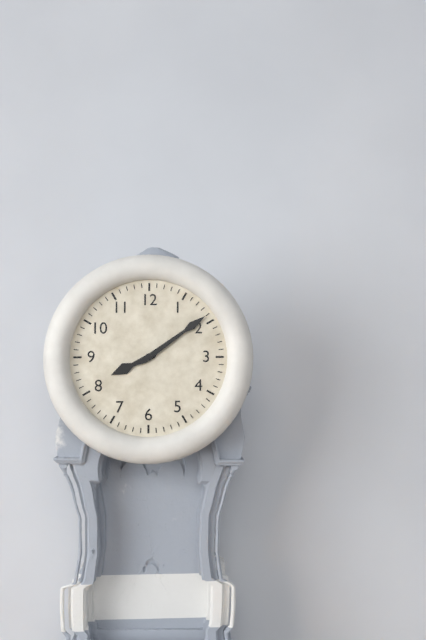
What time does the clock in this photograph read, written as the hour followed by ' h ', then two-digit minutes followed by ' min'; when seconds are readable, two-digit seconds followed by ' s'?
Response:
8 h 09 min
